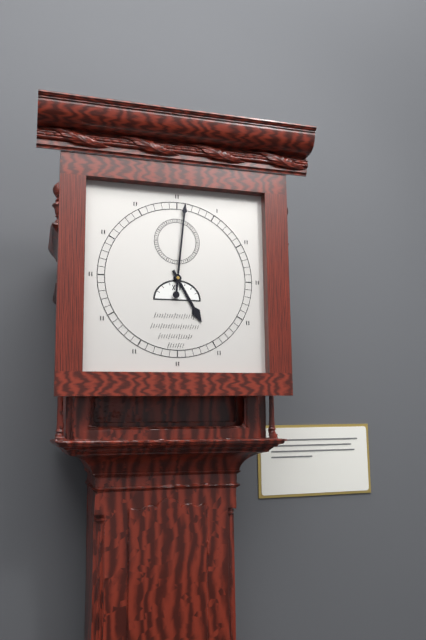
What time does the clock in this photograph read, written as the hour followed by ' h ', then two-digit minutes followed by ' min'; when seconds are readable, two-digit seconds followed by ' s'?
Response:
5 h 01 min
